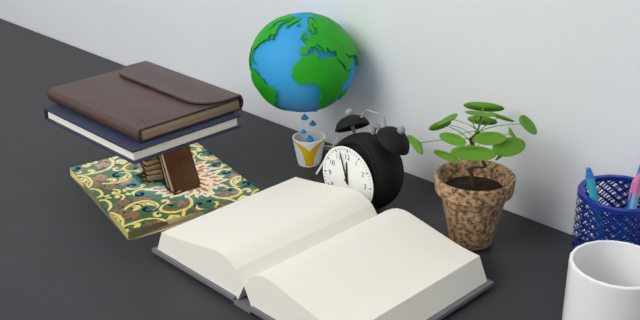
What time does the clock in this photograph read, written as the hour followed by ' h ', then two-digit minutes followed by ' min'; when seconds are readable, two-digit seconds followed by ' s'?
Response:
11 h 57 min
